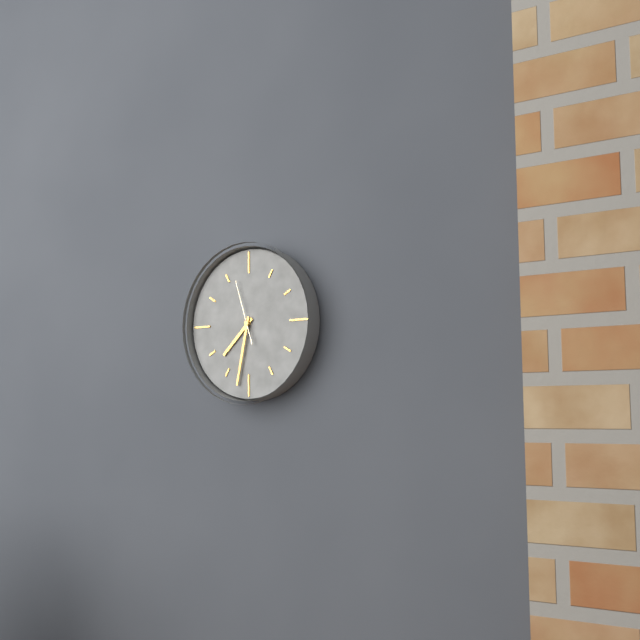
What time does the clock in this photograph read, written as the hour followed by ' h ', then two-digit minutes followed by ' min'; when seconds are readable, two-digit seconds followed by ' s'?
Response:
7 h 32 min 57 s
